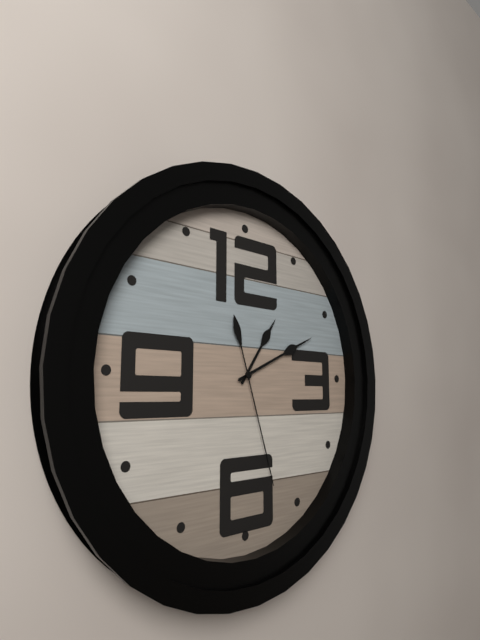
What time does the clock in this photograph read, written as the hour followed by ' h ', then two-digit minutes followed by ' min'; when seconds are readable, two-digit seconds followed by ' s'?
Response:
1 h 11 min 27 s
